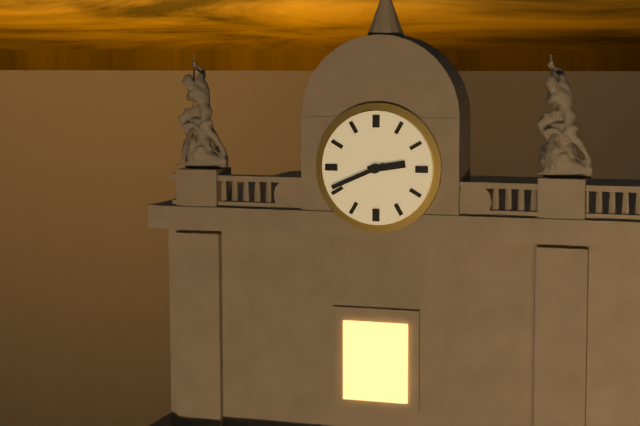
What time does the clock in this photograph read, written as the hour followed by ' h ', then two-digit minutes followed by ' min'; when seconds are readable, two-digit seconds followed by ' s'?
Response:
2 h 41 min
